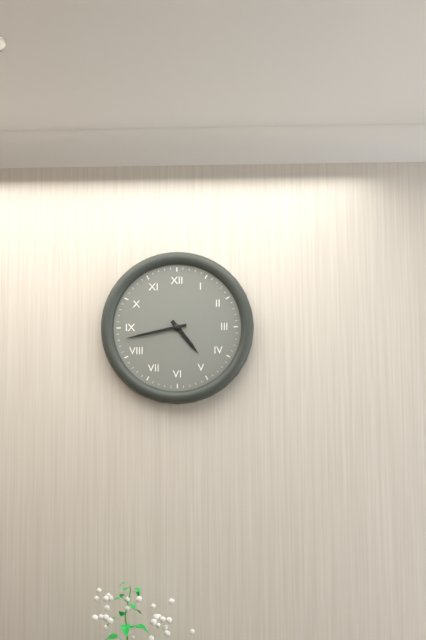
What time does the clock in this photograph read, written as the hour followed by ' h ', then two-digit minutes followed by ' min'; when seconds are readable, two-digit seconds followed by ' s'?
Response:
4 h 43 min
